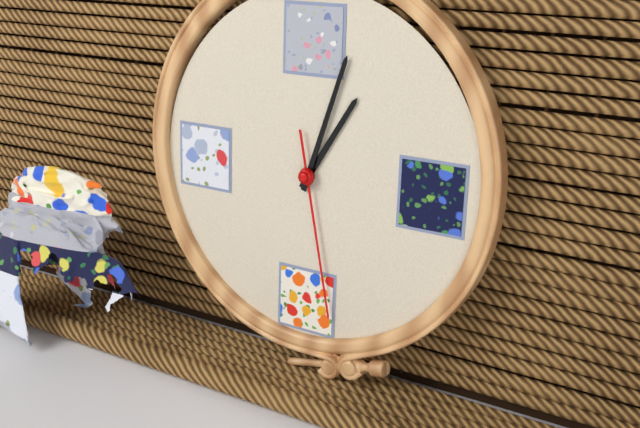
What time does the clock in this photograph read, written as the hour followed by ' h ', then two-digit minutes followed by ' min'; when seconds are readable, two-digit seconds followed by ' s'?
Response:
1 h 03 min 28 s
